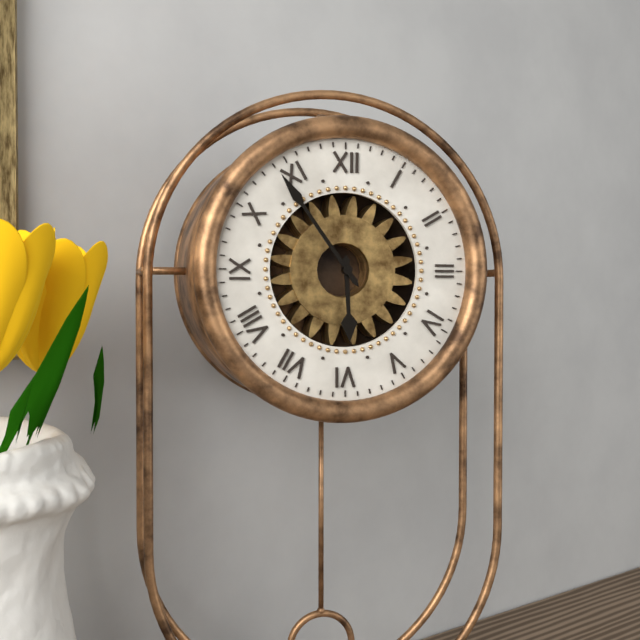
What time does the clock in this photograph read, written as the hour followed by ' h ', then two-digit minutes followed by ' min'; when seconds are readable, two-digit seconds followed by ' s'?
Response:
5 h 54 min
